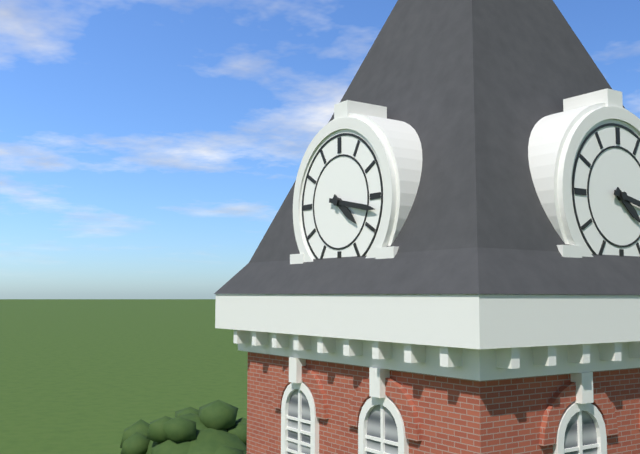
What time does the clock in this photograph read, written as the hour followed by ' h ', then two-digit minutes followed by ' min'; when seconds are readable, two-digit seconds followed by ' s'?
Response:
4 h 17 min
